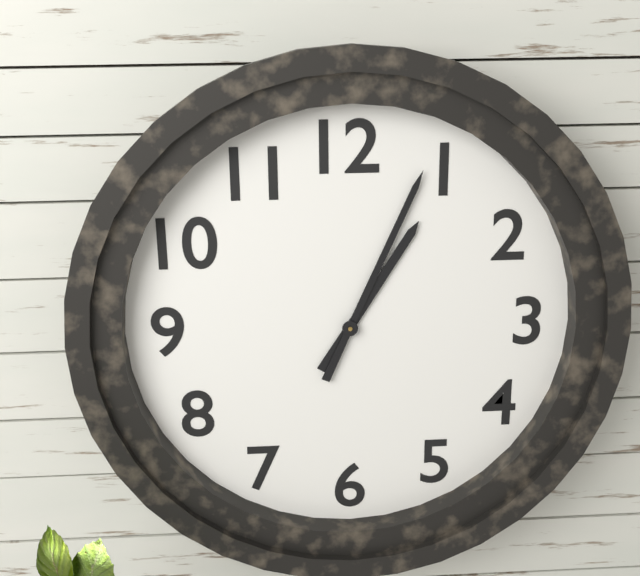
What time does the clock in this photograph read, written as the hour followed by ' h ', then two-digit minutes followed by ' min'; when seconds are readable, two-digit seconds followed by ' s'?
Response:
1 h 04 min
